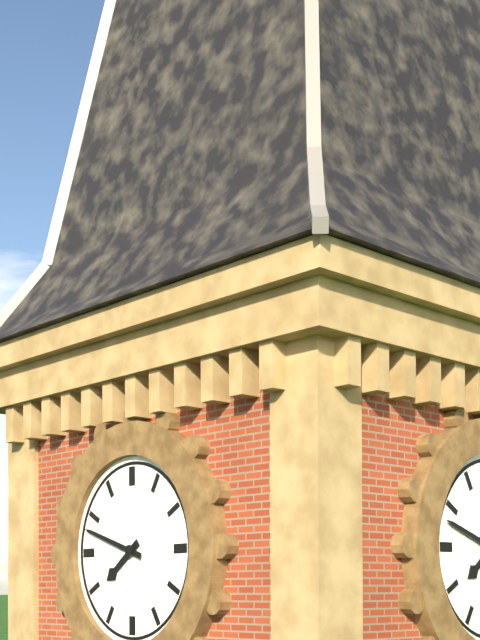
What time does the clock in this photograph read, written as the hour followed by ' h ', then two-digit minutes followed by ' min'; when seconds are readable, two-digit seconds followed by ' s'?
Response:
7 h 48 min
